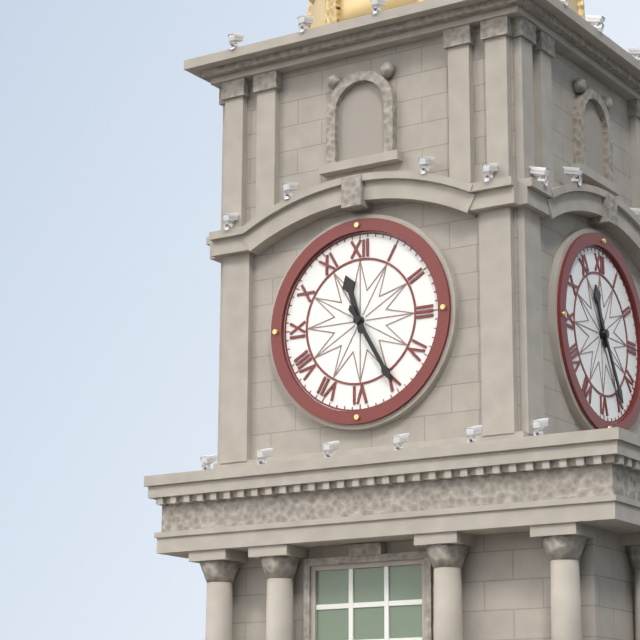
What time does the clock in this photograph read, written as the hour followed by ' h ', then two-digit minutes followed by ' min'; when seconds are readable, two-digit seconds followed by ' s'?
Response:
11 h 25 min
